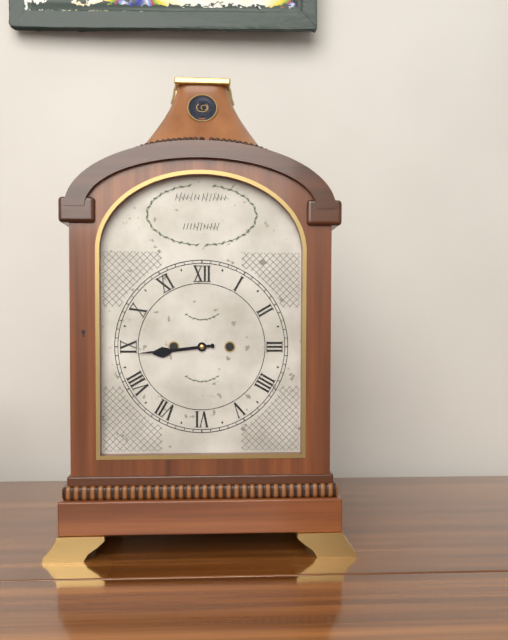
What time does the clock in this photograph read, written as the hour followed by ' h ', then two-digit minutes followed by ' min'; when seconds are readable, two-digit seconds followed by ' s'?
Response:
8 h 44 min
